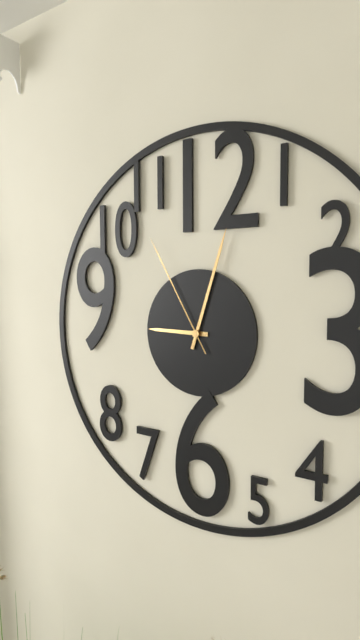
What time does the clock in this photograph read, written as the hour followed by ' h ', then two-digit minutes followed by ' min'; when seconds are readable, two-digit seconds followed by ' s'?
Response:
9 h 03 min 55 s
